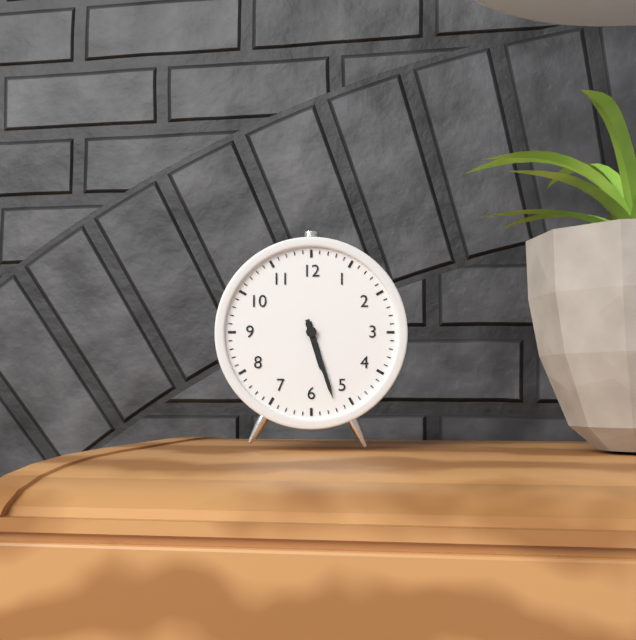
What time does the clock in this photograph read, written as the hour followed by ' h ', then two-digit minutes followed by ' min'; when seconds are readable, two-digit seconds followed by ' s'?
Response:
5 h 27 min
